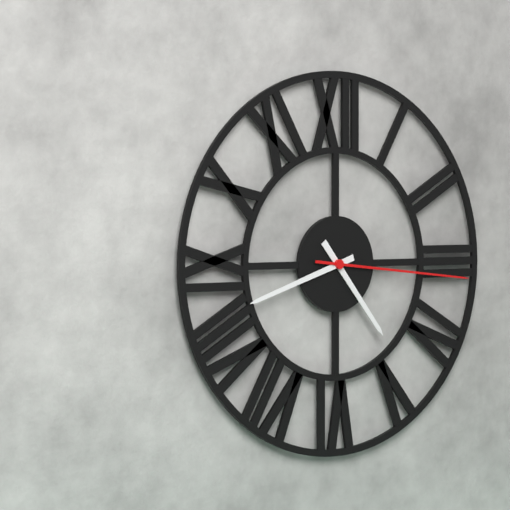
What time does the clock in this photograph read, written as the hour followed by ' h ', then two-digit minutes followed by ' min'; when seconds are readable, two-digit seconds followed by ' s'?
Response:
4 h 42 min 16 s
